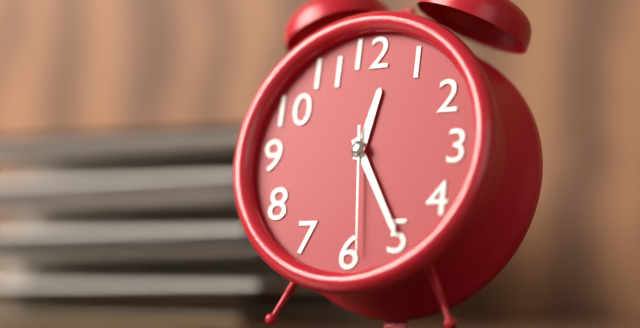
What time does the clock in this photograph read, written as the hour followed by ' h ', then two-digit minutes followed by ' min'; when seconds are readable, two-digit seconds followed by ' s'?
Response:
12 h 25 min 29 s
